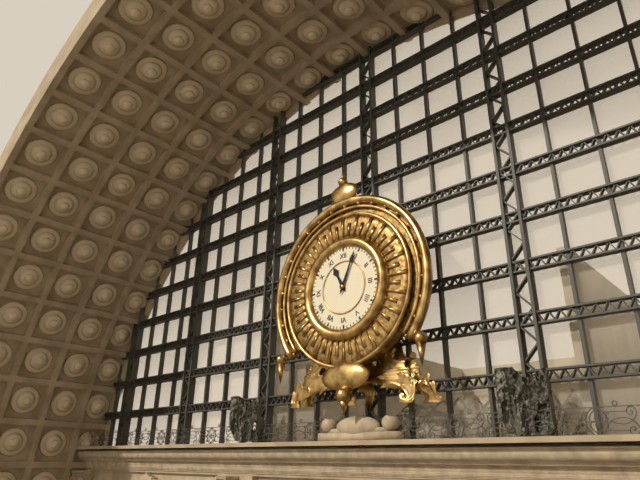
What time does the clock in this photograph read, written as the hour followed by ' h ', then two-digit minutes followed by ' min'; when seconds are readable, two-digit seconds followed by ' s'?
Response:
11 h 04 min
